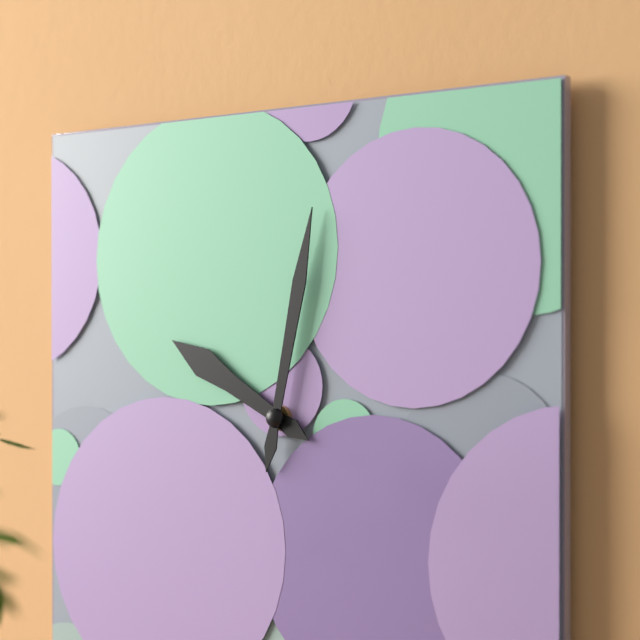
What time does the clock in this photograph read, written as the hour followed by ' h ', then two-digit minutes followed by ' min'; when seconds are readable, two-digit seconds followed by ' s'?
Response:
10 h 02 min
